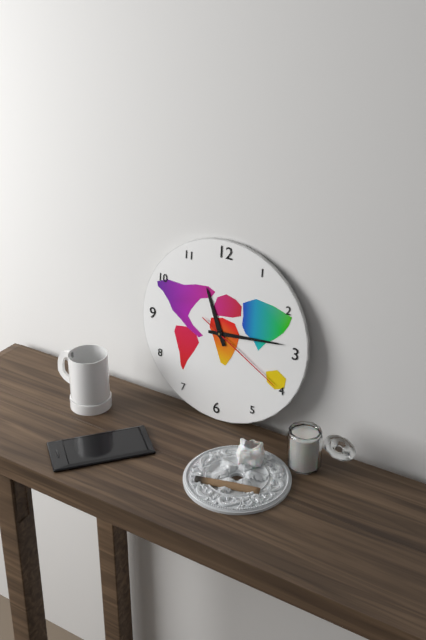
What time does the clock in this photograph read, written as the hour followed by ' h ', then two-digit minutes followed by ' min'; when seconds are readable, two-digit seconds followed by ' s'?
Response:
11 h 14 min 20 s
